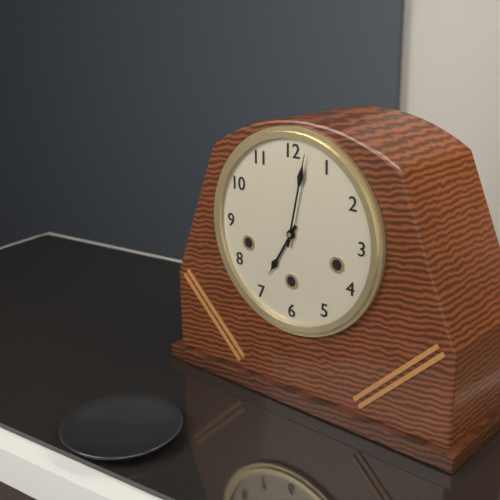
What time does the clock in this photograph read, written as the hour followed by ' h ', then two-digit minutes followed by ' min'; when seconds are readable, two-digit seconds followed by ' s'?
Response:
7 h 02 min
